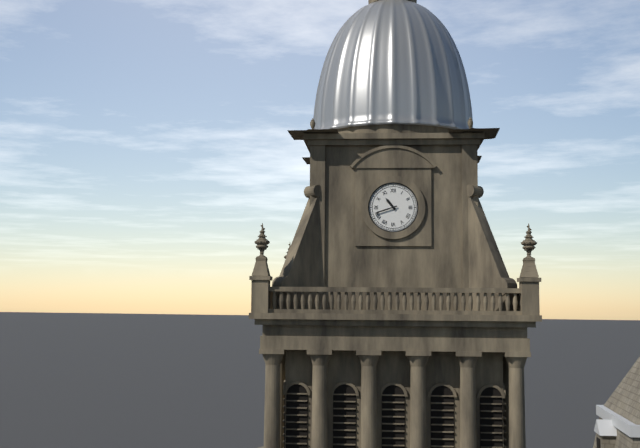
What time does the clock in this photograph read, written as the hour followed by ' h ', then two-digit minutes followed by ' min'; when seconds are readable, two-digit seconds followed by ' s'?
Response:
10 h 42 min
